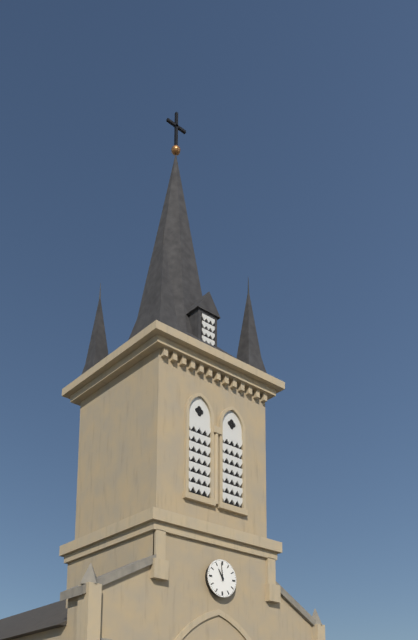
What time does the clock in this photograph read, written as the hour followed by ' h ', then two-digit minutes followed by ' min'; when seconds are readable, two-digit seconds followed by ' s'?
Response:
10 h 59 min
